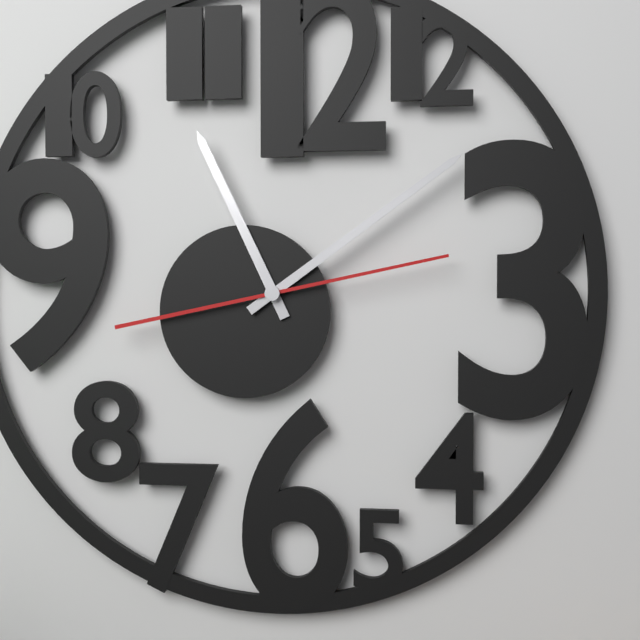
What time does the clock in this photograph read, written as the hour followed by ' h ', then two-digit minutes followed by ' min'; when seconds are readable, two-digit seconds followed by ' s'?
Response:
11 h 09 min 13 s
